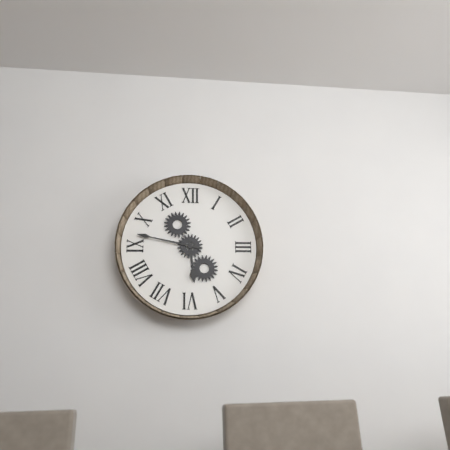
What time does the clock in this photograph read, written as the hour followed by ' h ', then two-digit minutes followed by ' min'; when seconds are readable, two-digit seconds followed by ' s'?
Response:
5 h 47 min
